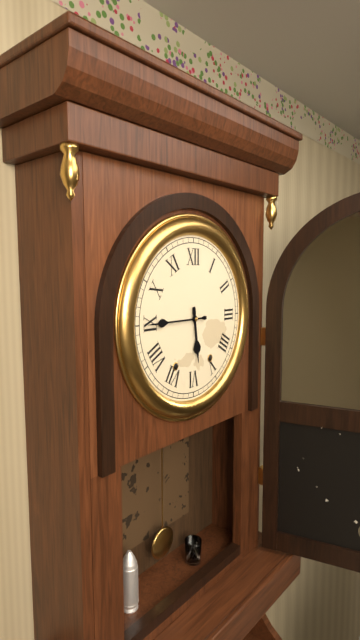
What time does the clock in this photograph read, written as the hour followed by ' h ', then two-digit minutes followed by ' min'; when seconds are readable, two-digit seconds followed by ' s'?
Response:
5 h 45 min
